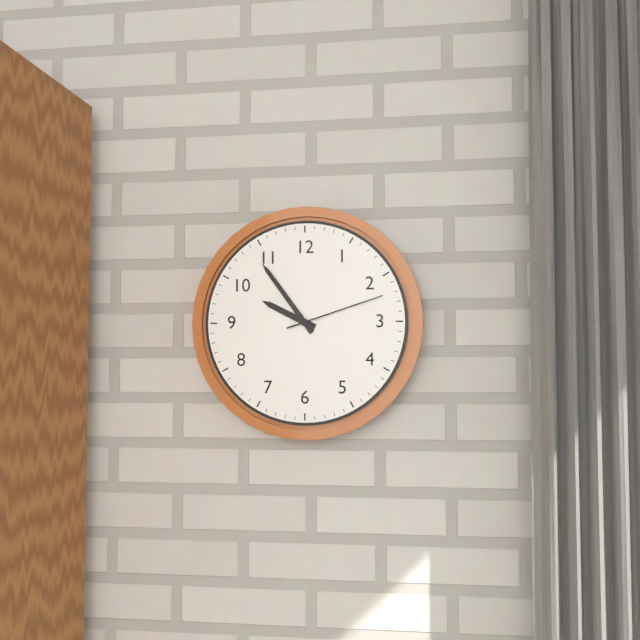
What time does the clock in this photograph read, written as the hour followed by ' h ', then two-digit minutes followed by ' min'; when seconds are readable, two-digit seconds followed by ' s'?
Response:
9 h 54 min 12 s
